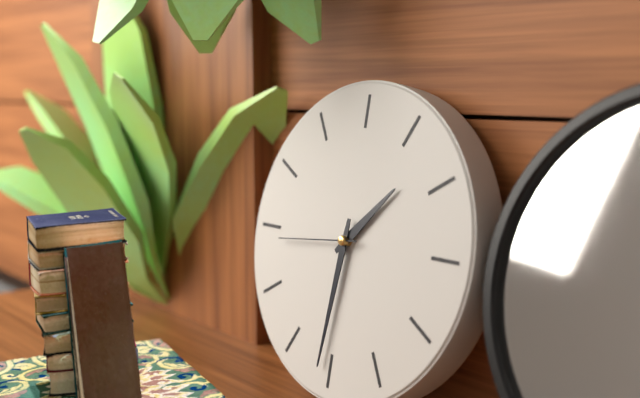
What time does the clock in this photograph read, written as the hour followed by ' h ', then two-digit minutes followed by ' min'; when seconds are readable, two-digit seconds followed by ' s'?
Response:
1 h 31 min 44 s
